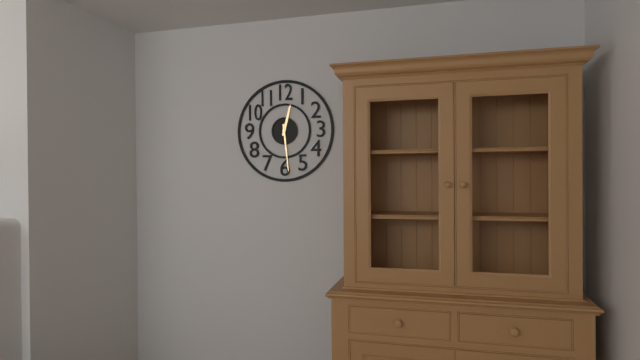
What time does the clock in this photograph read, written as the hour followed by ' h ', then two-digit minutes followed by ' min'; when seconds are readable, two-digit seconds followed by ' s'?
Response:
12 h 29 min
